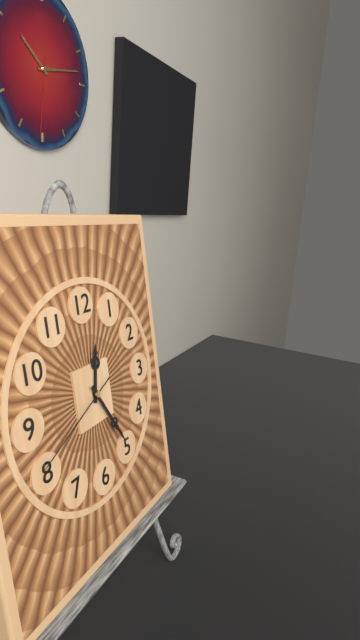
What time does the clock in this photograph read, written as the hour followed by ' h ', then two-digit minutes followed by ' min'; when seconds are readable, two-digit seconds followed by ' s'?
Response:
12 h 25 min 41 s
